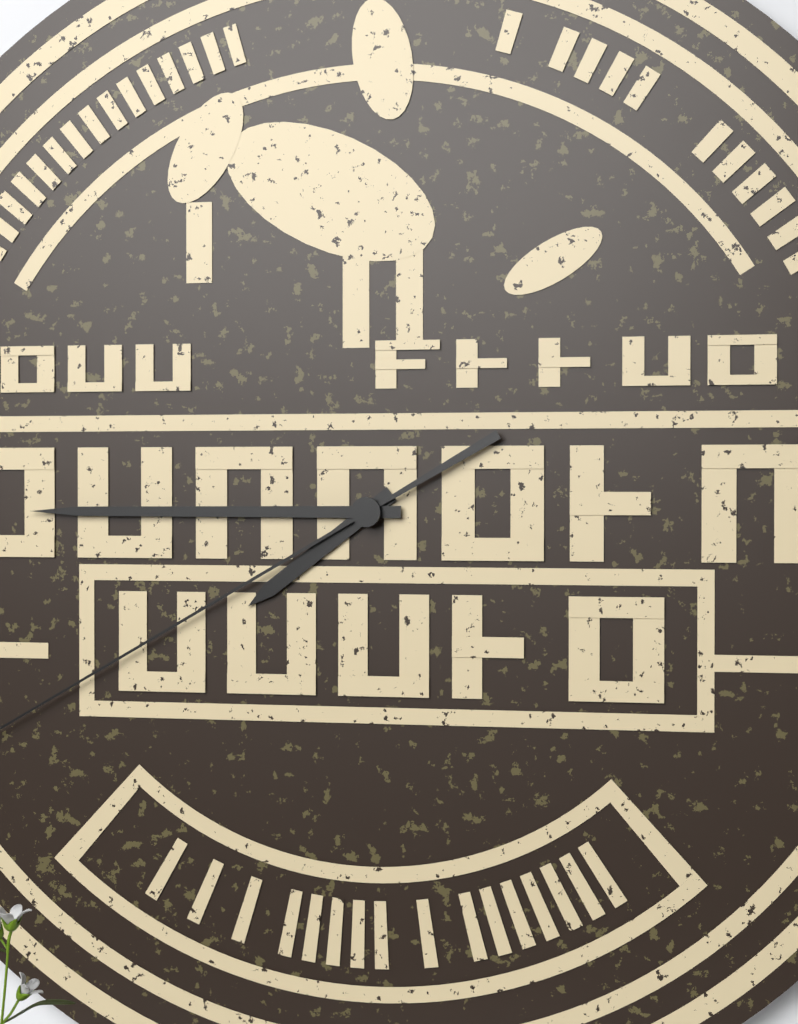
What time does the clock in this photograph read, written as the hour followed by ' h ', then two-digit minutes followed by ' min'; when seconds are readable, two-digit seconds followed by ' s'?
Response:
7 h 45 min
